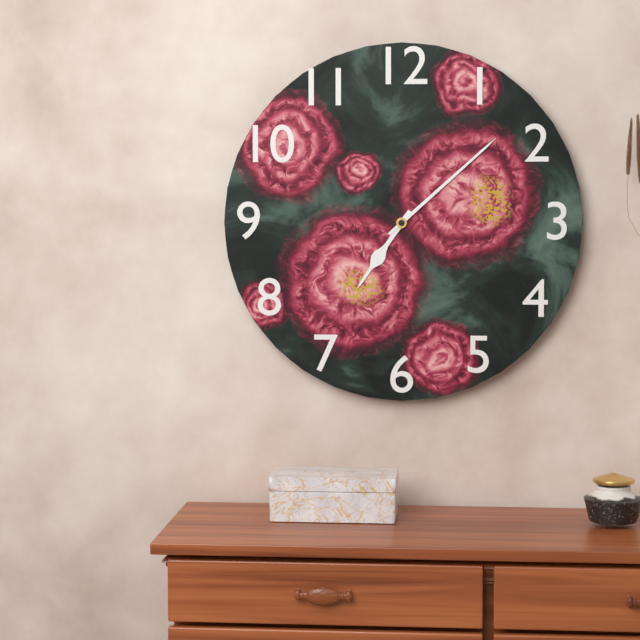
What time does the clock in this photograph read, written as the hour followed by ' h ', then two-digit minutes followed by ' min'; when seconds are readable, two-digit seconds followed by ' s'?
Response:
7 h 08 min
